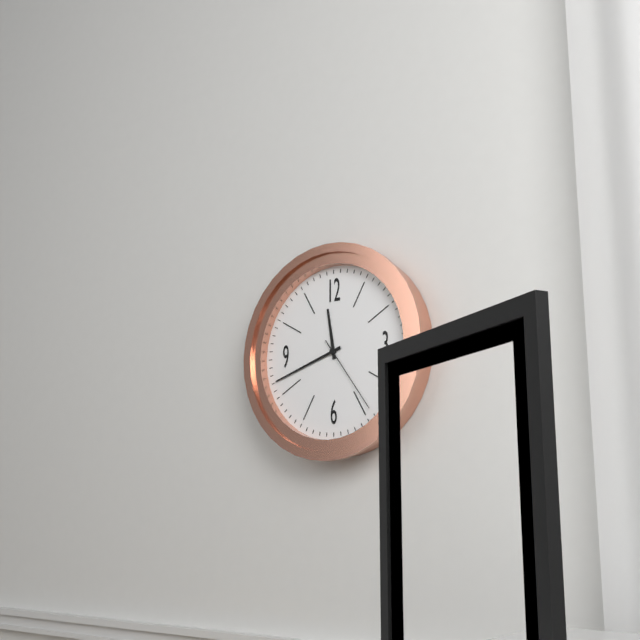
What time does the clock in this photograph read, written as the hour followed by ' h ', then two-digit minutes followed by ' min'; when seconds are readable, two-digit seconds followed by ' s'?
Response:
11 h 42 min 24 s
